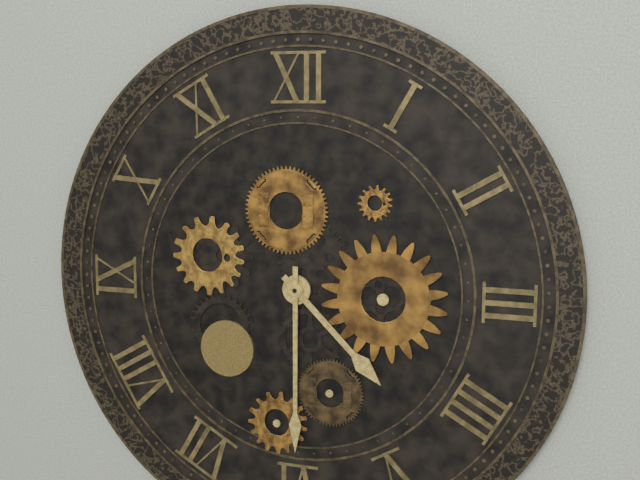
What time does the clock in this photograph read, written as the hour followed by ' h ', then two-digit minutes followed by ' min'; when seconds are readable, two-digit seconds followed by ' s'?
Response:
4 h 30 min
